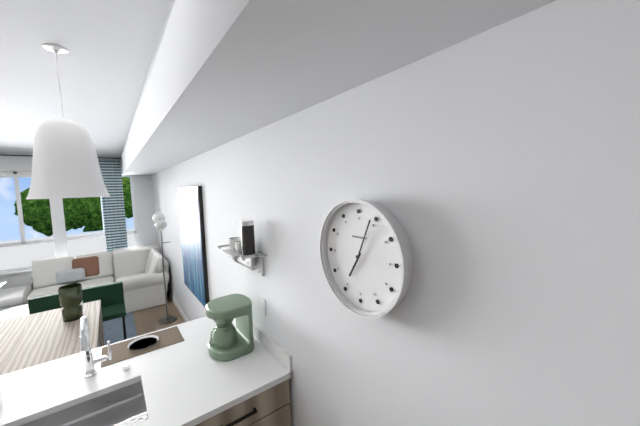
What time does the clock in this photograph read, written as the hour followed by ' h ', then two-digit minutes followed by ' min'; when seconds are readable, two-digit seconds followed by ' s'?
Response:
7 h 04 min
